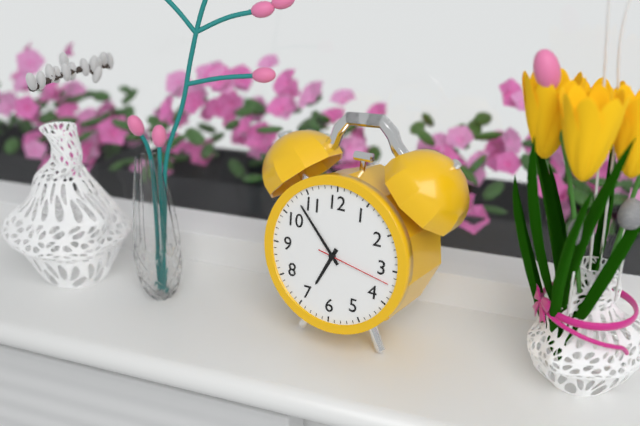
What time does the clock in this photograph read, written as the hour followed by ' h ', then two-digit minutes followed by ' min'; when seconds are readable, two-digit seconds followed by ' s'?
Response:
6 h 53 min 17 s
